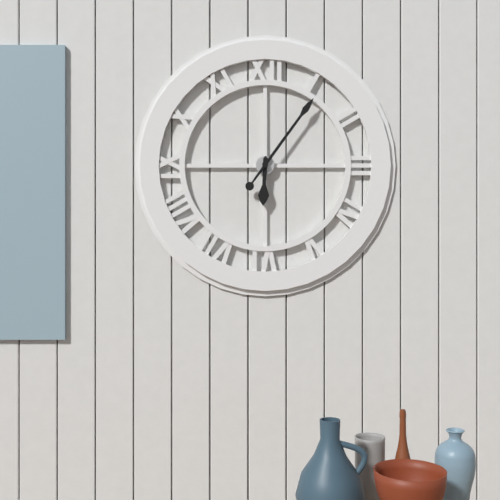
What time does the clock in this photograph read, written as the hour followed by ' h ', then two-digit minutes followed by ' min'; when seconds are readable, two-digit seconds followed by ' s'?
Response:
6 h 06 min
